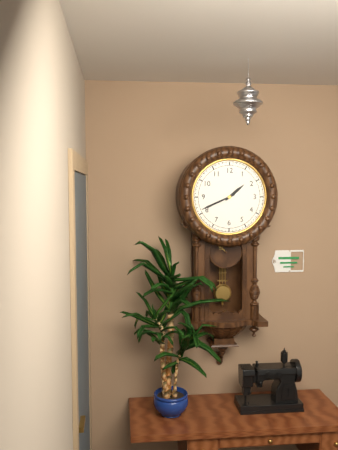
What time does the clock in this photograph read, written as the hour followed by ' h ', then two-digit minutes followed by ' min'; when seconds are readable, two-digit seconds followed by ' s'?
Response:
1 h 41 min
